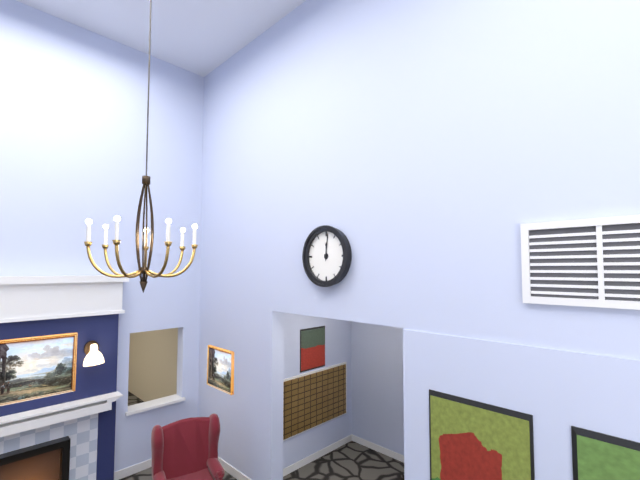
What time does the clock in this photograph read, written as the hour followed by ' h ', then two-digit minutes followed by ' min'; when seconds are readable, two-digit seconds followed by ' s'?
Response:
12 h 01 min
